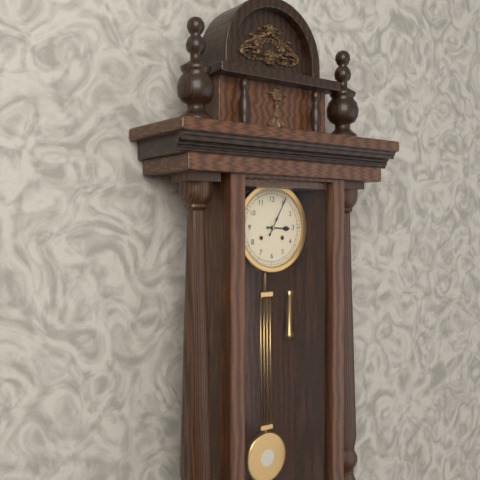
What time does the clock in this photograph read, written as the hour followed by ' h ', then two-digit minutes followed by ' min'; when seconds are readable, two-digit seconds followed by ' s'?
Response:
3 h 05 min
